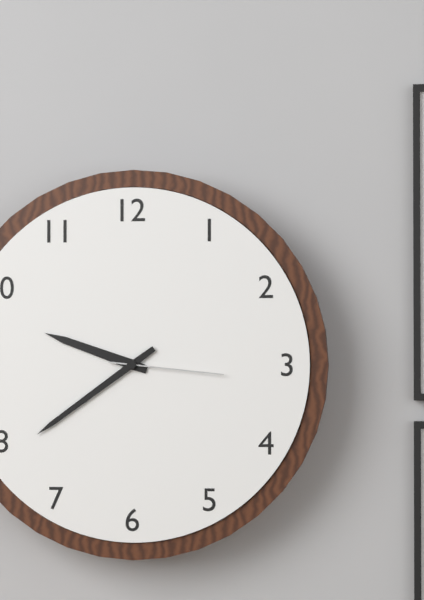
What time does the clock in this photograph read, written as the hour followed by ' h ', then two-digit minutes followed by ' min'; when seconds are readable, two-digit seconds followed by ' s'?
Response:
9 h 39 min 16 s
